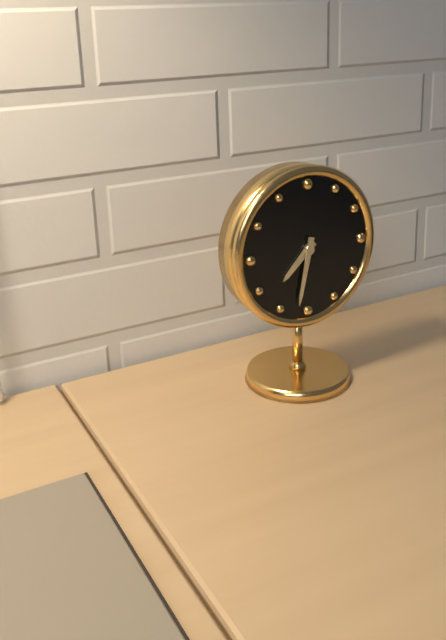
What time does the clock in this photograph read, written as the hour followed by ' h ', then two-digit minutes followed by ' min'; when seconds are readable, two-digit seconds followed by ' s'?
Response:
7 h 32 min
